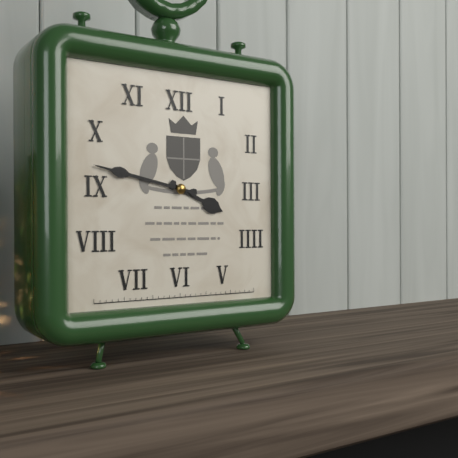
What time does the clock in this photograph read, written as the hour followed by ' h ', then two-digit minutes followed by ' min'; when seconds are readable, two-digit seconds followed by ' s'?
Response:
3 h 47 min
